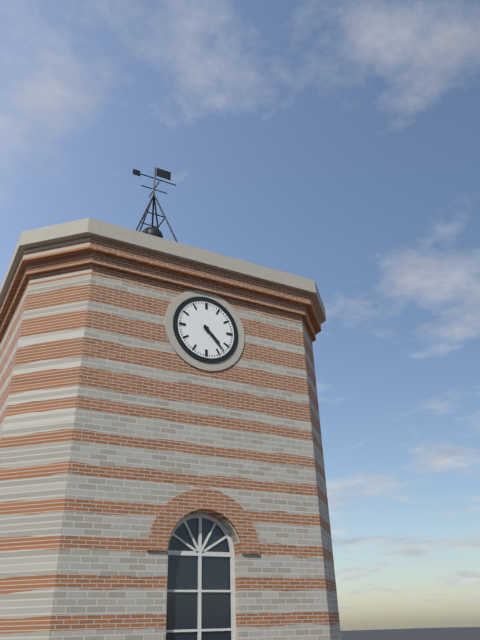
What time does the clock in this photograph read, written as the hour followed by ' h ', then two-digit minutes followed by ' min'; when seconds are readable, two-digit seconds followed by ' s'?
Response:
4 h 23 min
